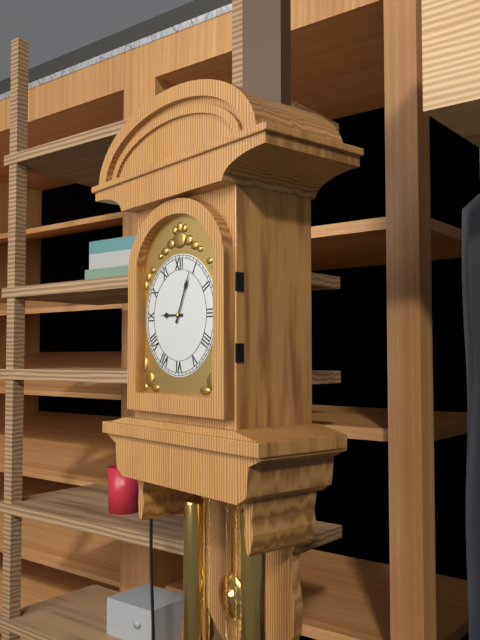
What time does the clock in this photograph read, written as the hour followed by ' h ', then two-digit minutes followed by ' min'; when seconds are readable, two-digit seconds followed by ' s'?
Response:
9 h 04 min
